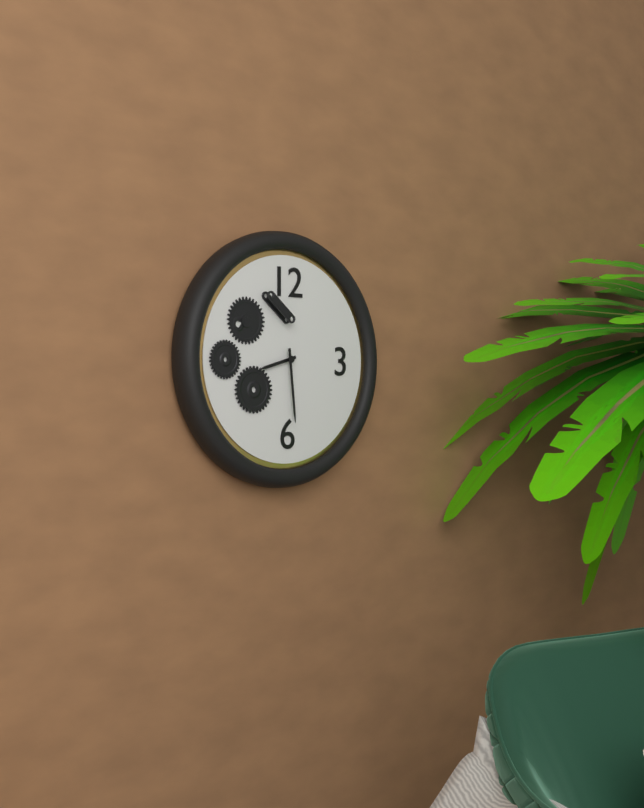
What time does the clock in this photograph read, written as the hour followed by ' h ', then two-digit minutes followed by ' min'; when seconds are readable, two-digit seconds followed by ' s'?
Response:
8 h 29 min
